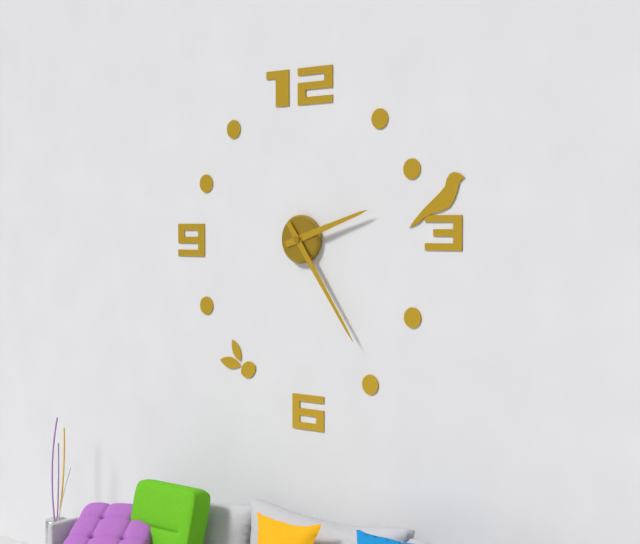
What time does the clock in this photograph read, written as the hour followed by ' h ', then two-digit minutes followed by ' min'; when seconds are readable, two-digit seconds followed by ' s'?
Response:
2 h 24 min
